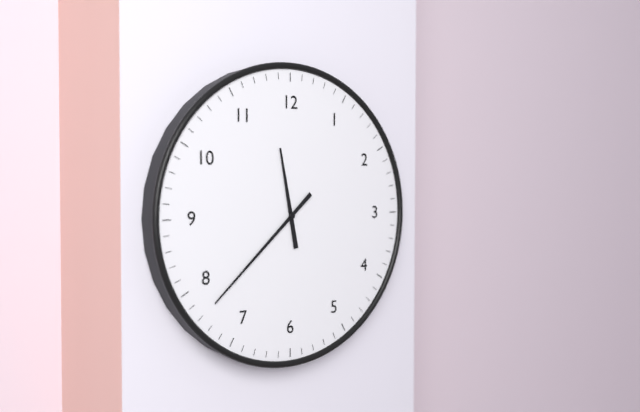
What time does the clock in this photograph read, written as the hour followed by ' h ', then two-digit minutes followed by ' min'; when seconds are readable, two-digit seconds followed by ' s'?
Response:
11 h 38 min
